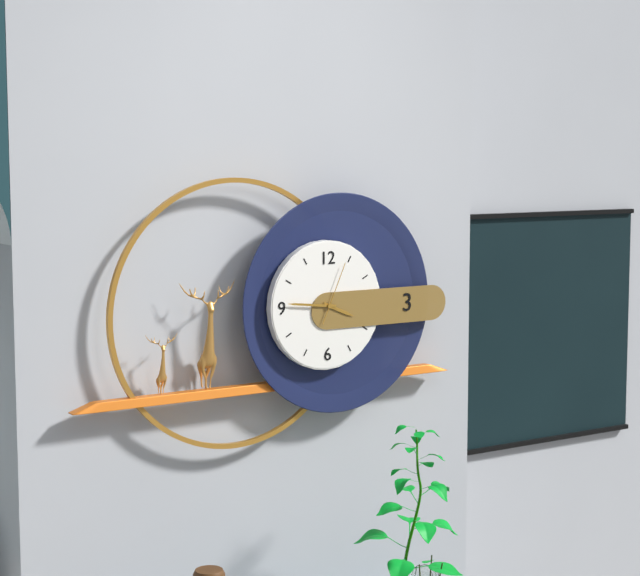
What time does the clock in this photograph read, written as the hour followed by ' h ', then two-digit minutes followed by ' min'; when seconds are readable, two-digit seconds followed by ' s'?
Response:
3 h 46 min 04 s
